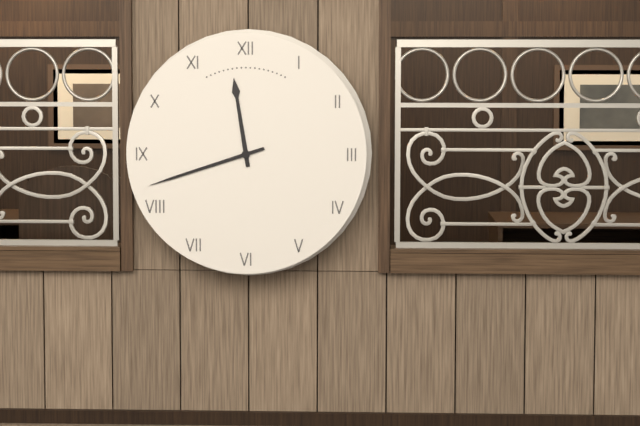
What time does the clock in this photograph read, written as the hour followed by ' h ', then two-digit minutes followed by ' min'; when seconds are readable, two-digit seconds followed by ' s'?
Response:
11 h 42 min
